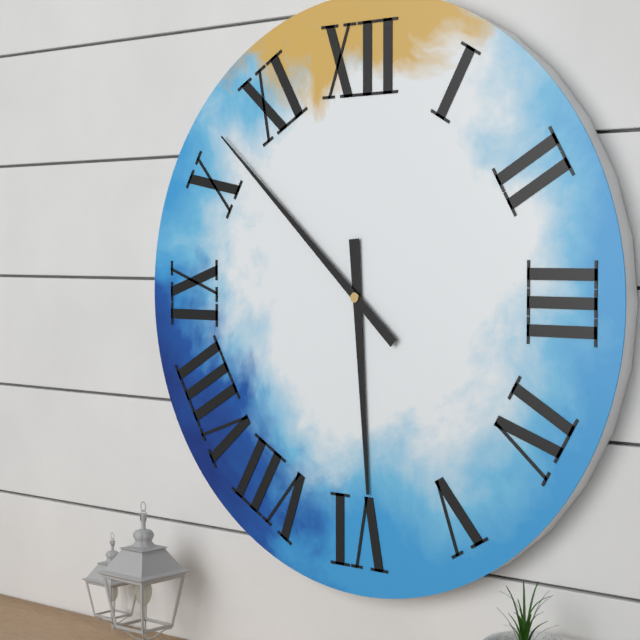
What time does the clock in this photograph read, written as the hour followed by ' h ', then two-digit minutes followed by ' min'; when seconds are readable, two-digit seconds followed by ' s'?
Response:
5 h 52 min
